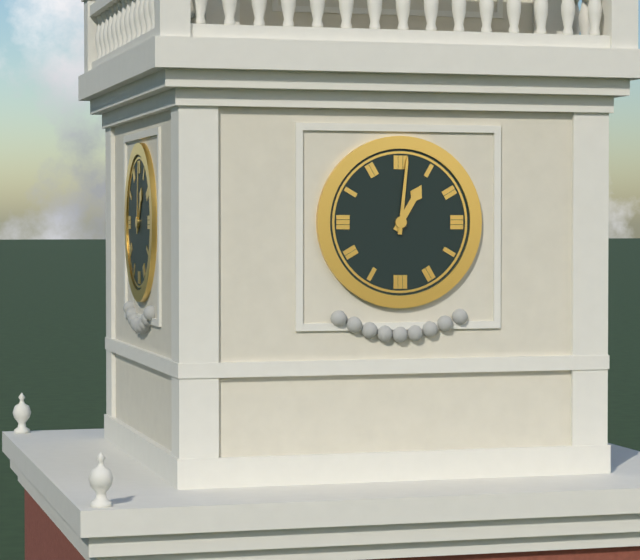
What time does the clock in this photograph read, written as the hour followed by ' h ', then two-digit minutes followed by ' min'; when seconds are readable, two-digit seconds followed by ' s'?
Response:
1 h 01 min
